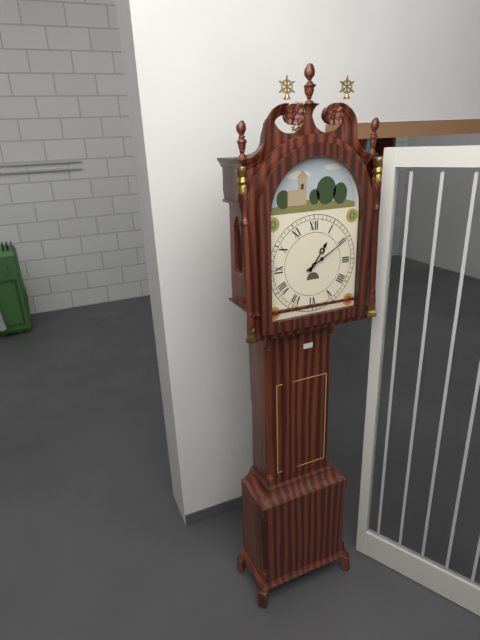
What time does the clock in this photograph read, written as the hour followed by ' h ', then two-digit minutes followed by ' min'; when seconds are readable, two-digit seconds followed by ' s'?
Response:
1 h 10 min
